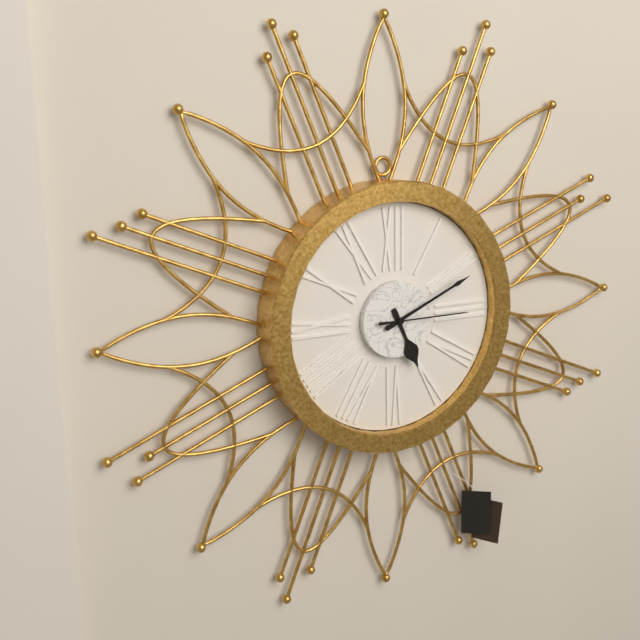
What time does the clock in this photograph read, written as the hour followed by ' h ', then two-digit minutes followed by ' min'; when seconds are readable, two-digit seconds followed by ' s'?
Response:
5 h 11 min 15 s
